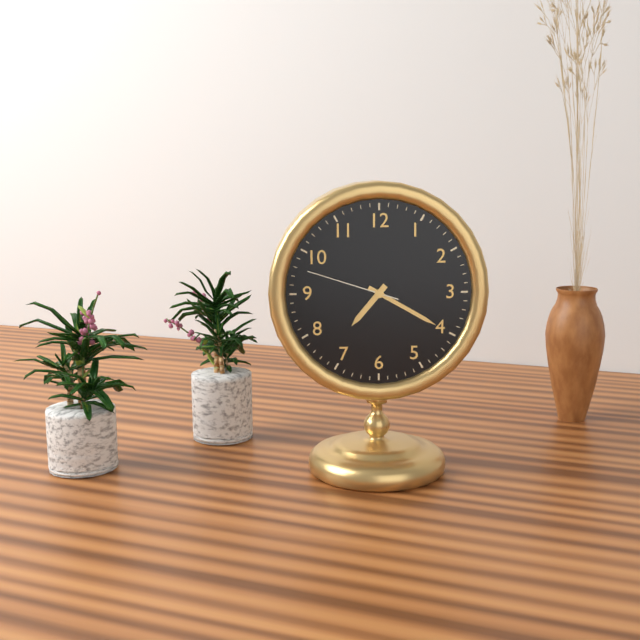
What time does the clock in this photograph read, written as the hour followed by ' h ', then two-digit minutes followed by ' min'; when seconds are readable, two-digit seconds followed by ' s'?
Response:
7 h 20 min 48 s
